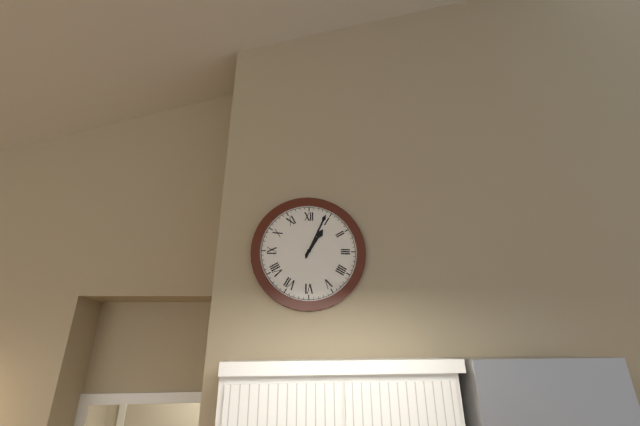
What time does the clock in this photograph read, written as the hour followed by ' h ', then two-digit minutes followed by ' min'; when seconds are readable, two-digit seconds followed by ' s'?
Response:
1 h 04 min
